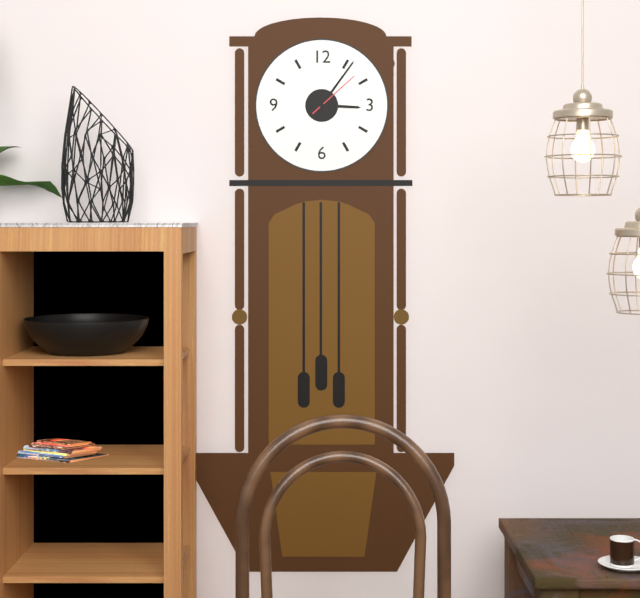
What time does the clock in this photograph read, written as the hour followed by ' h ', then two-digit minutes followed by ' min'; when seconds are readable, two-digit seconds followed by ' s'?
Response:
3 h 06 min 08 s
